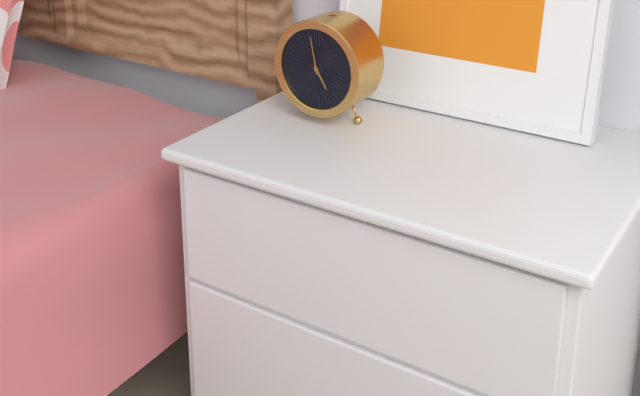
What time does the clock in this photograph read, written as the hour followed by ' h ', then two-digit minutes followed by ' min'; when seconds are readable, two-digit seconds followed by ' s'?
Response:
4 h 58 min
